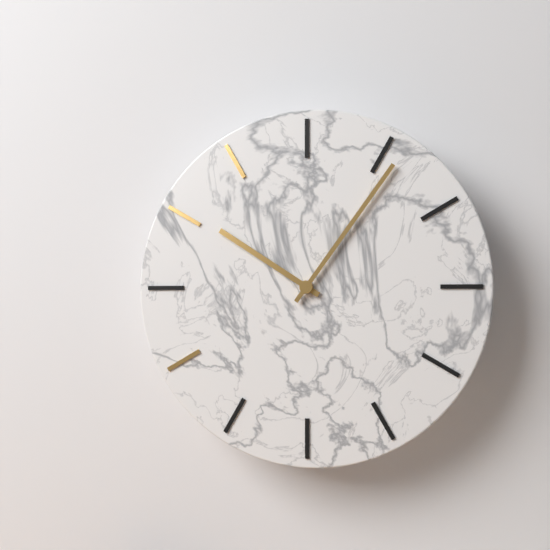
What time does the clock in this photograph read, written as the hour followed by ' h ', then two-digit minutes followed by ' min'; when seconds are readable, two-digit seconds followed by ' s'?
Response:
10 h 06 min
